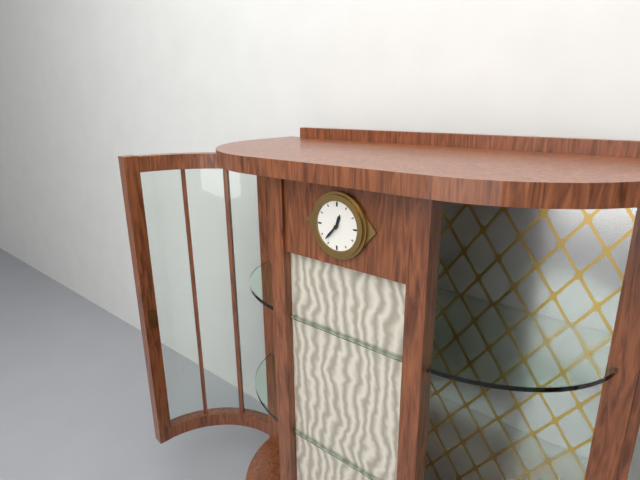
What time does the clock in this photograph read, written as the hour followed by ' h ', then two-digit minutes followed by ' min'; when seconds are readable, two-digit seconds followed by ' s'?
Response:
12 h 37 min
